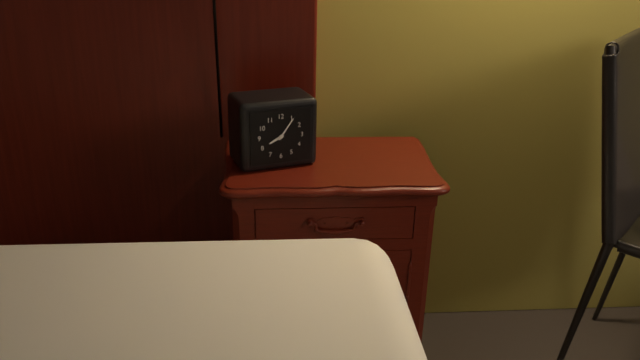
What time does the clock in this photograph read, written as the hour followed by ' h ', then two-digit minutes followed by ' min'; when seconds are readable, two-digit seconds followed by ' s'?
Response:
8 h 06 min
